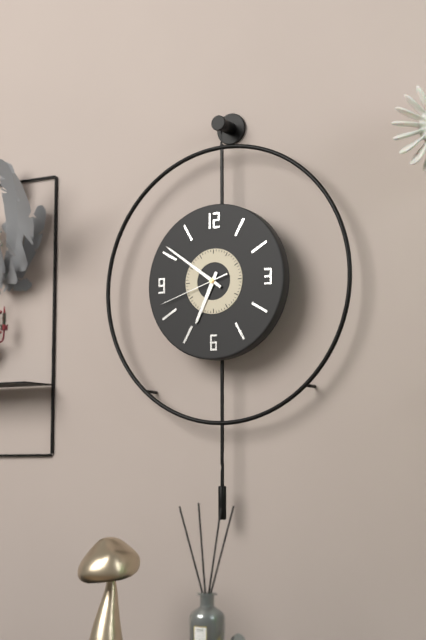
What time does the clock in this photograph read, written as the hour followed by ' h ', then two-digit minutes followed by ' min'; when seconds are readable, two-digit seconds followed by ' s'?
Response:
6 h 51 min 42 s
